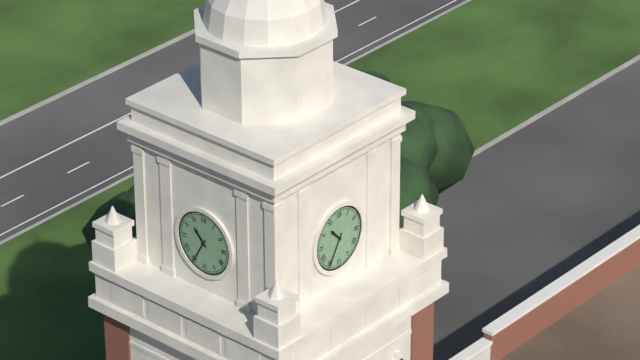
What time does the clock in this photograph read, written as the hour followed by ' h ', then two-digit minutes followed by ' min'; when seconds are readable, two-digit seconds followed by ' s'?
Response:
10 h 35 min
